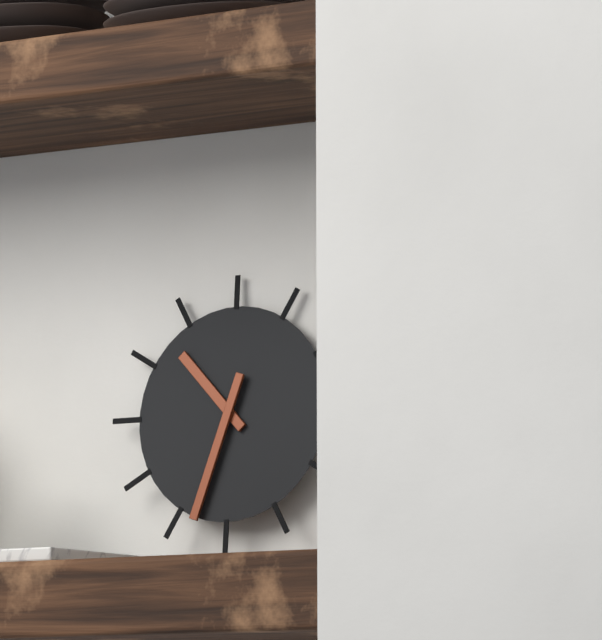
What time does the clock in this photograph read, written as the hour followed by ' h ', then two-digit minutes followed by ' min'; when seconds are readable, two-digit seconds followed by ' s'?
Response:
10 h 33 min
